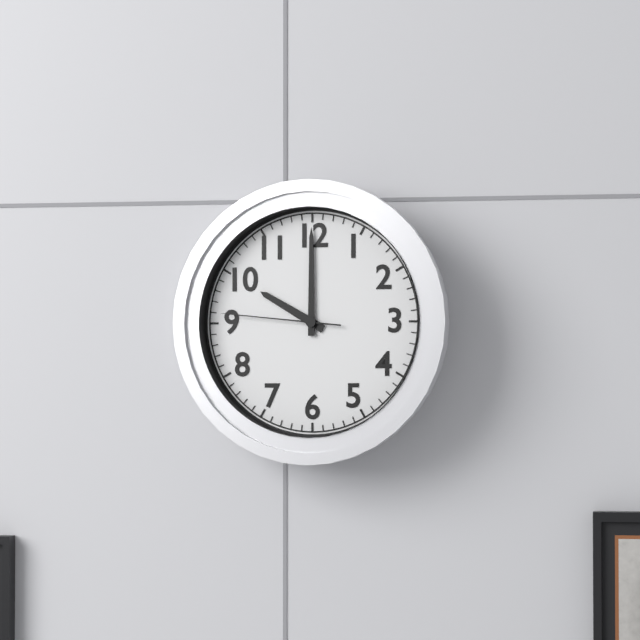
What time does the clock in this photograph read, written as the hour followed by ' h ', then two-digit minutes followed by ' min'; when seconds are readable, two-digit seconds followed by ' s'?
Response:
10 h 00 min 46 s
